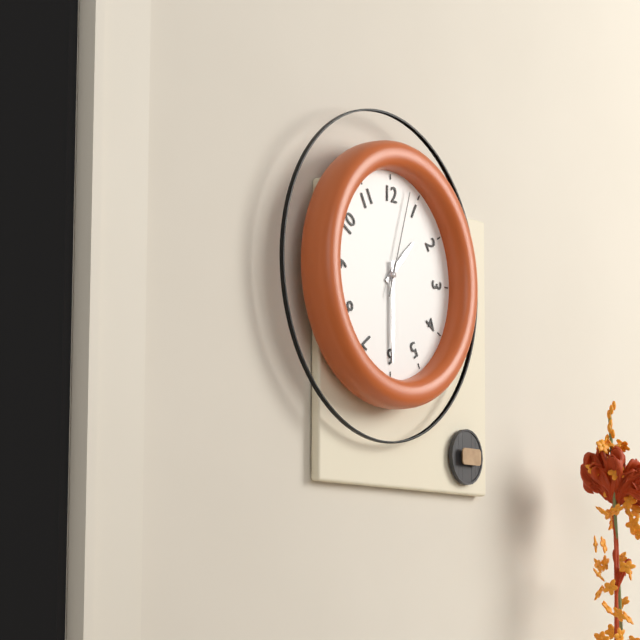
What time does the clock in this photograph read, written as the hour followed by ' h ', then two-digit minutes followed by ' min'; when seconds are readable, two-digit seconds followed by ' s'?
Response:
1 h 30 min 03 s
